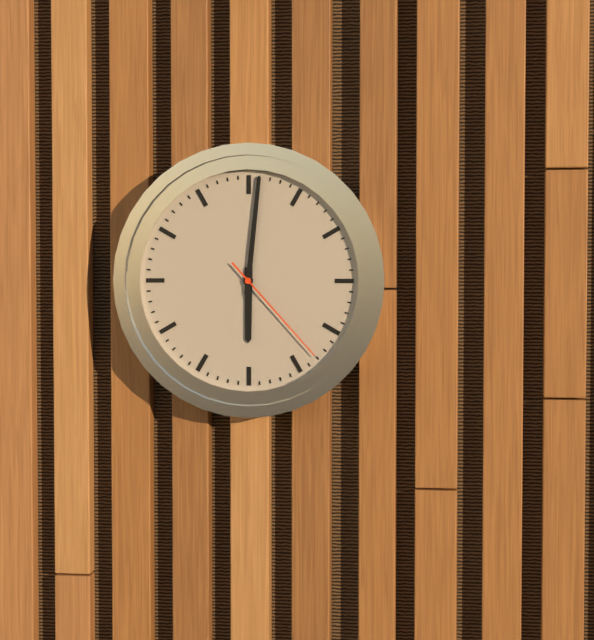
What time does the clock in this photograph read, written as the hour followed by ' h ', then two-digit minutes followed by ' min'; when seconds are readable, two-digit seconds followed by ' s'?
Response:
6 h 01 min 23 s
